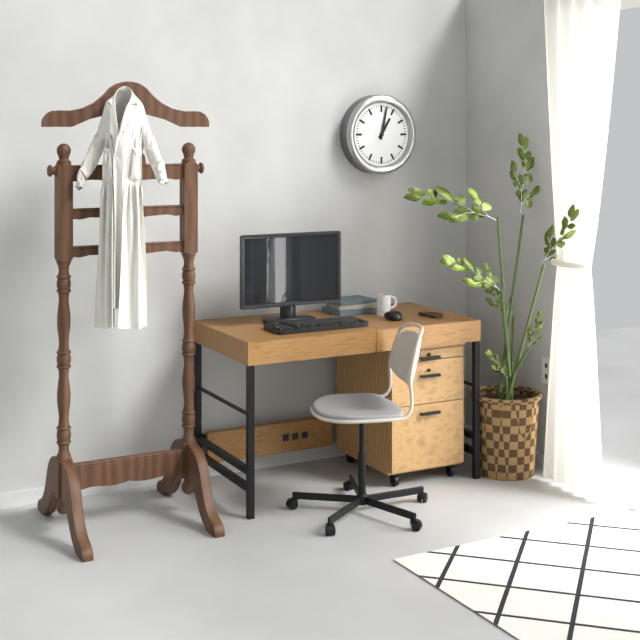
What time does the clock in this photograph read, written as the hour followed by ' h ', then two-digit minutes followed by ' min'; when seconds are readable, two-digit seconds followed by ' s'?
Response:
1 h 02 min
